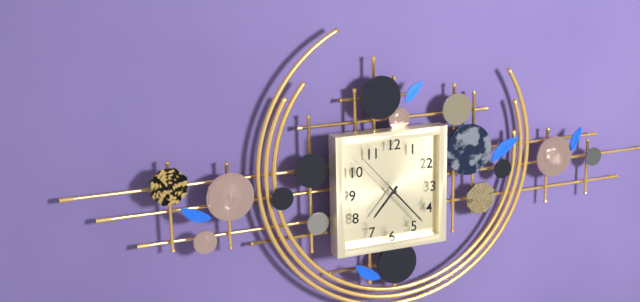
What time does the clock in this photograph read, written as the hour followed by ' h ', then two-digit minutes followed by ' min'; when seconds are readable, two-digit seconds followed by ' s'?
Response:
7 h 23 min 53 s
